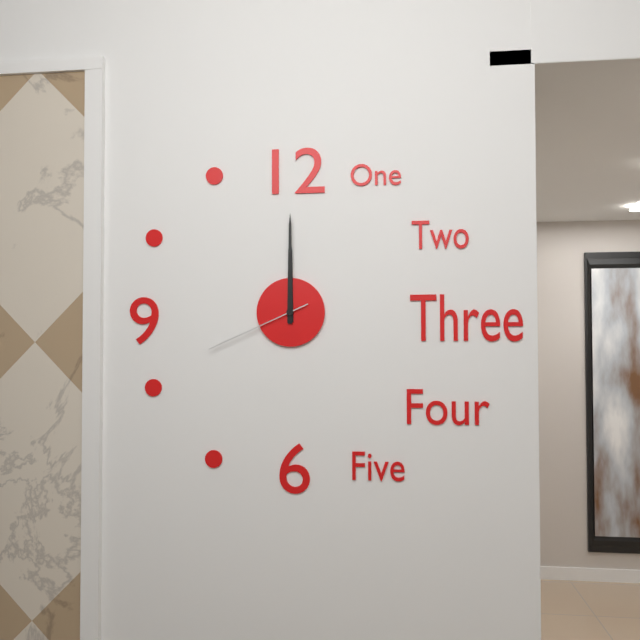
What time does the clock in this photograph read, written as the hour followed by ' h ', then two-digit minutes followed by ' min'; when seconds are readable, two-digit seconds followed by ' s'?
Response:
12 h 00 min 41 s
